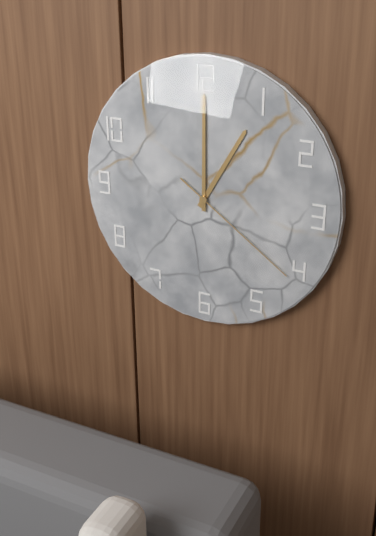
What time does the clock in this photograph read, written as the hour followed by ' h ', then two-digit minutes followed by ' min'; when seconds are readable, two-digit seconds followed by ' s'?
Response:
1 h 00 min 21 s
